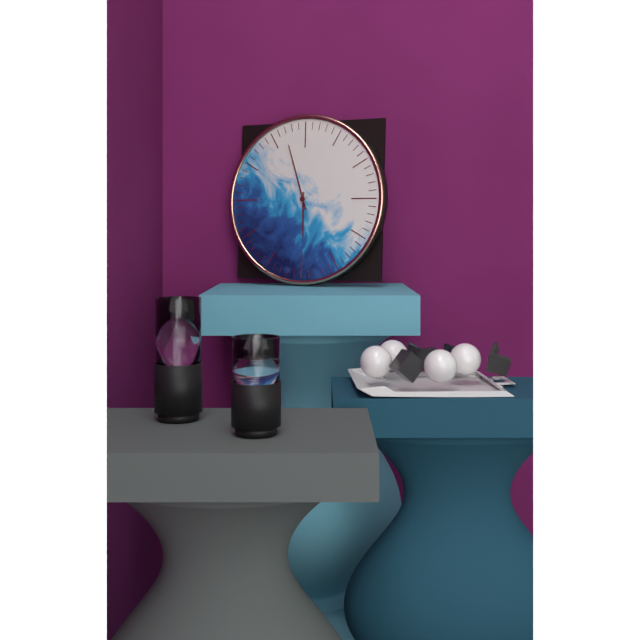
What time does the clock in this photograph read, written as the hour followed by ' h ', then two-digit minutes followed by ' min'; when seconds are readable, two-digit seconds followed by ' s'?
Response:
5 h 57 min
